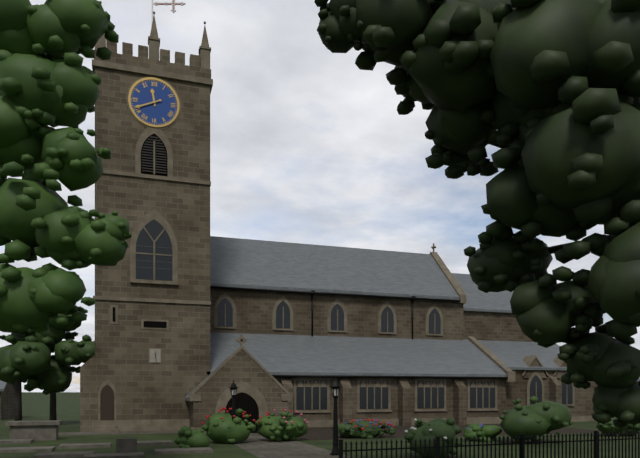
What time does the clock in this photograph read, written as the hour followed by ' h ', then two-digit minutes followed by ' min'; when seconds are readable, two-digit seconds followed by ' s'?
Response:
11 h 41 min
